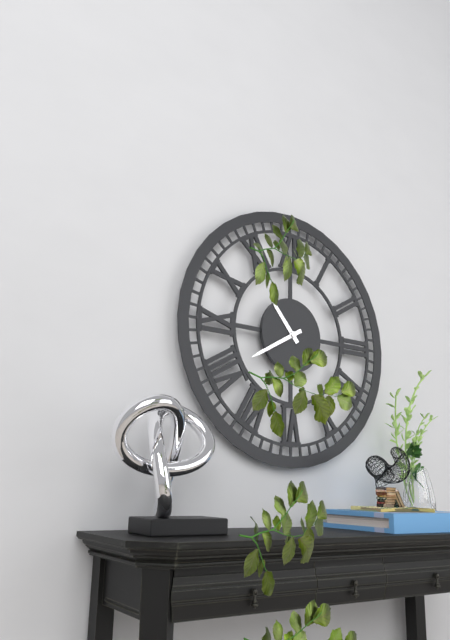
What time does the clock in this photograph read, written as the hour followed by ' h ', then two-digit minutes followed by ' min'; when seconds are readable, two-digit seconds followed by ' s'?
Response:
10 h 40 min
